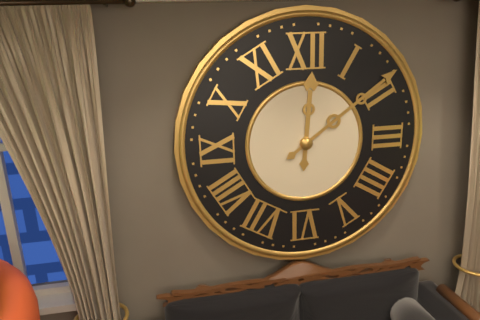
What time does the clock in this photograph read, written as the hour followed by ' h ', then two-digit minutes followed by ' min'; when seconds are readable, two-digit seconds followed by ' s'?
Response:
12 h 09 min
